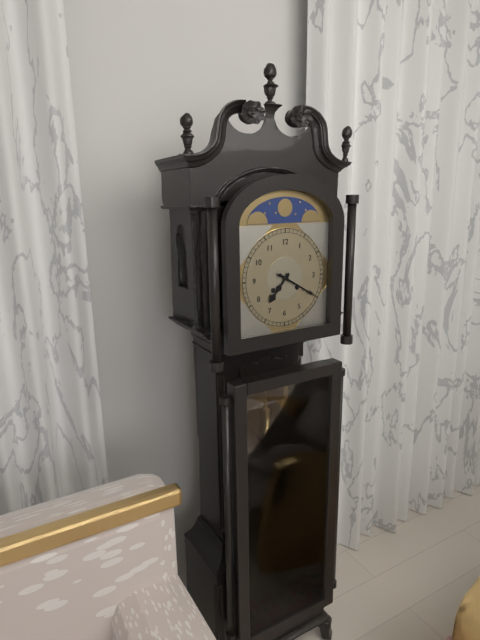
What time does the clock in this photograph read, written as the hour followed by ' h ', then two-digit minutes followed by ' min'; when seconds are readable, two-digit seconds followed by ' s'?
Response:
7 h 20 min
